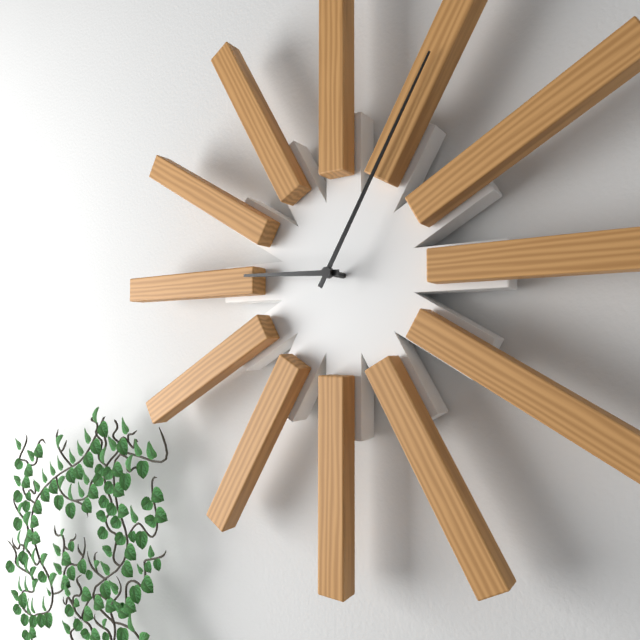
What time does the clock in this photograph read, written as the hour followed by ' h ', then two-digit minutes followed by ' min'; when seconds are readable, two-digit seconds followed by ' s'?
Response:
9 h 05 min
